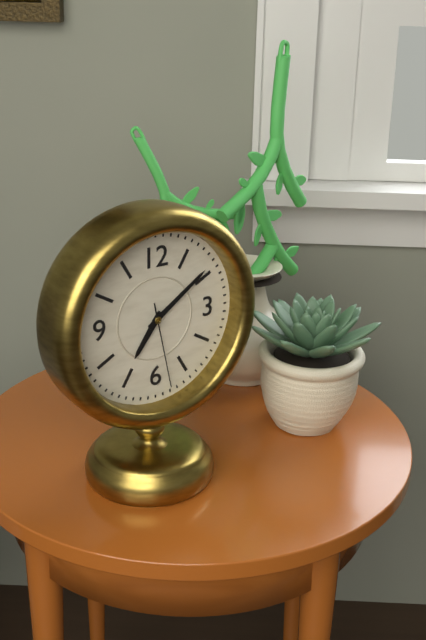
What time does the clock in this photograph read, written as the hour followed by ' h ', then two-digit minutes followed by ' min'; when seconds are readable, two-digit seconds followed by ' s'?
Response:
7 h 09 min 28 s
